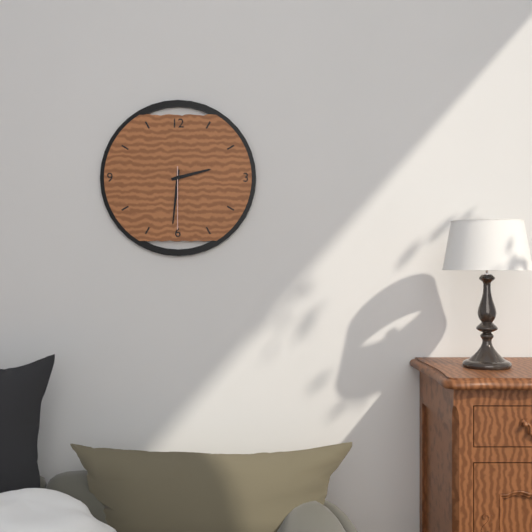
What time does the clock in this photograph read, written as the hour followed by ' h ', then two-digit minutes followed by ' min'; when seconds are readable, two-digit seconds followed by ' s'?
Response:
2 h 31 min 30 s
